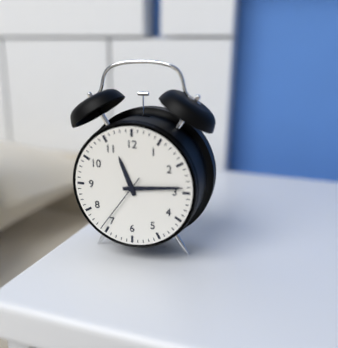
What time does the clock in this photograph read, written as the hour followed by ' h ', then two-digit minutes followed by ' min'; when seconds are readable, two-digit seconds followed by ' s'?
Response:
11 h 14 min 36 s
